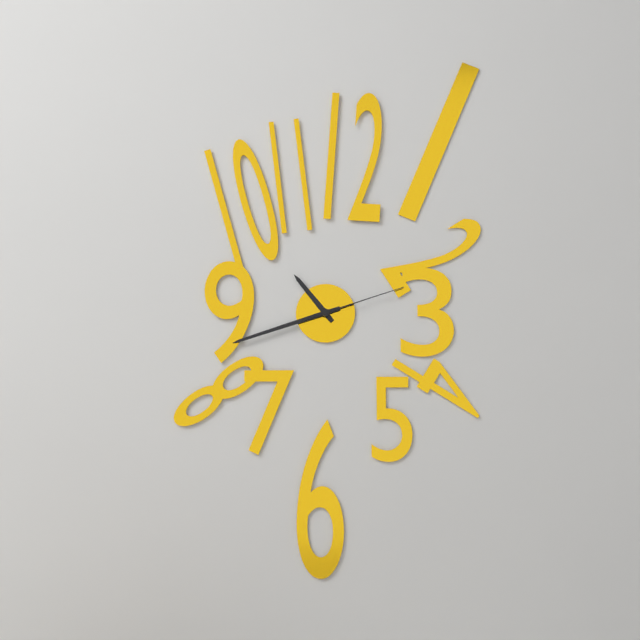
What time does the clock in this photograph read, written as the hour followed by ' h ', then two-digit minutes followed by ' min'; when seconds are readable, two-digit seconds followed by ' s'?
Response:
10 h 42 min 12 s
